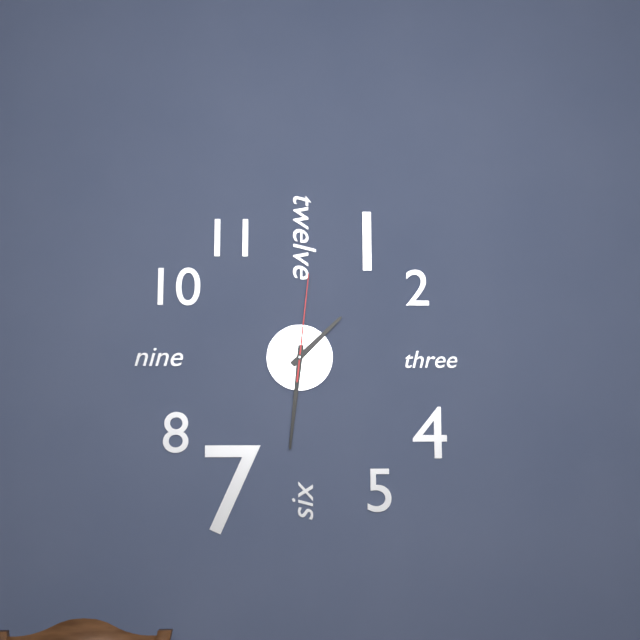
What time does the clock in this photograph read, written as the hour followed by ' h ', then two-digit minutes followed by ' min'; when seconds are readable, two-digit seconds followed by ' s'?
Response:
1 h 31 min 01 s
